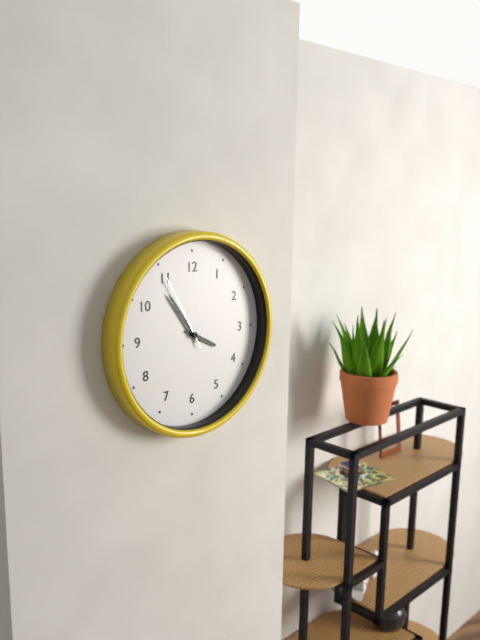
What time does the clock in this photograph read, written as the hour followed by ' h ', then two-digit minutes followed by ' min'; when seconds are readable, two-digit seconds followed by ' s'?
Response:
3 h 54 min 55 s
